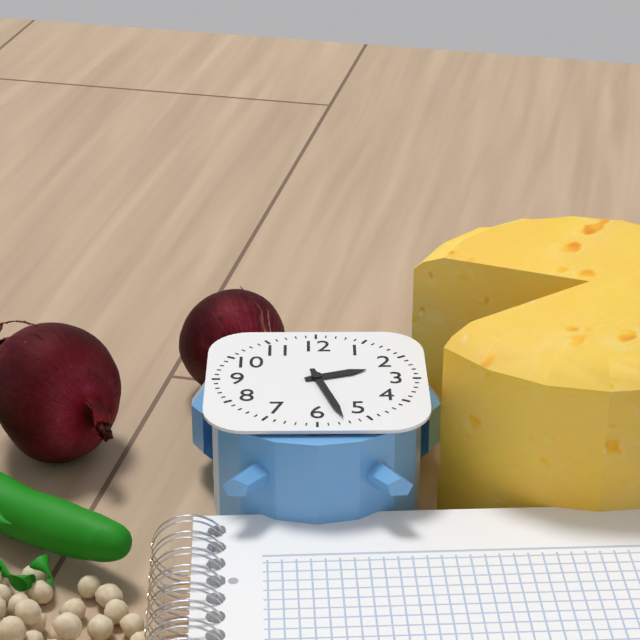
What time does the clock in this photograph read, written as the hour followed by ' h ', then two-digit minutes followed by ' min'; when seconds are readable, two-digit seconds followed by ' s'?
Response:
2 h 27 min
